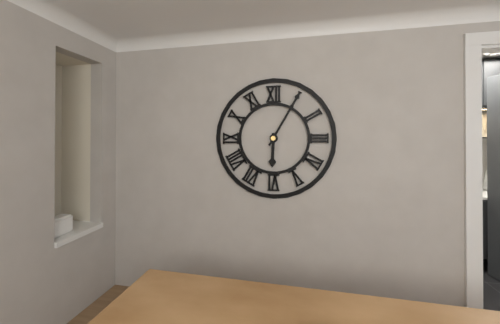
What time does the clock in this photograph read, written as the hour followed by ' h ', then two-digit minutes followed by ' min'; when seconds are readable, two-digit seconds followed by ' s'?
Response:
6 h 05 min
